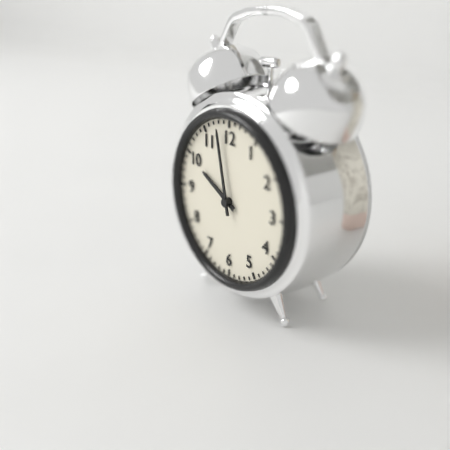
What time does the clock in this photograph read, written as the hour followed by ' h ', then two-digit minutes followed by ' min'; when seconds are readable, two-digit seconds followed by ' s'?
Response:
9 h 58 min
